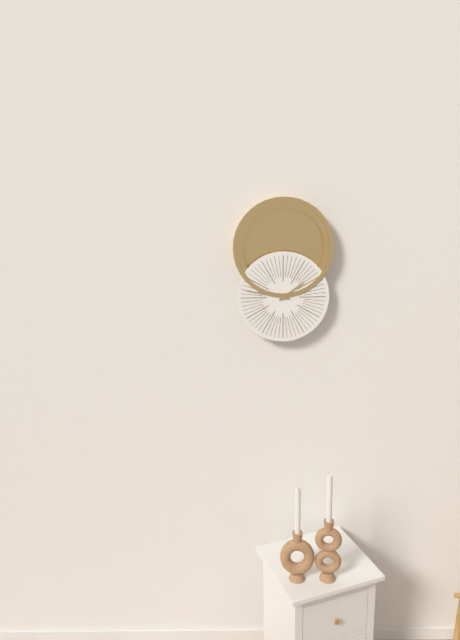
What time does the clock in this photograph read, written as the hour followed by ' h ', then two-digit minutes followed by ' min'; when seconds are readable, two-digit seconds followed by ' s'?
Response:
1 h 47 min
